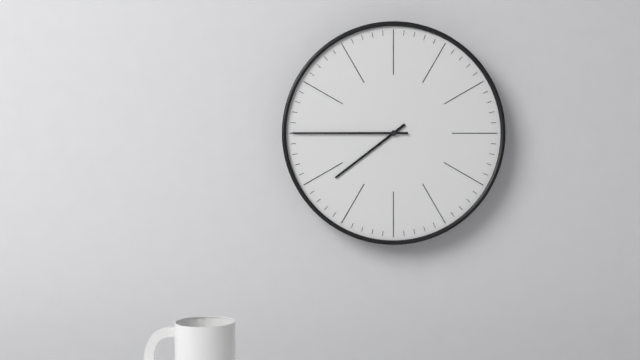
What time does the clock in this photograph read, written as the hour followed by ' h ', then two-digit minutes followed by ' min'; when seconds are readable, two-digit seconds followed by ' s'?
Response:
7 h 45 min
